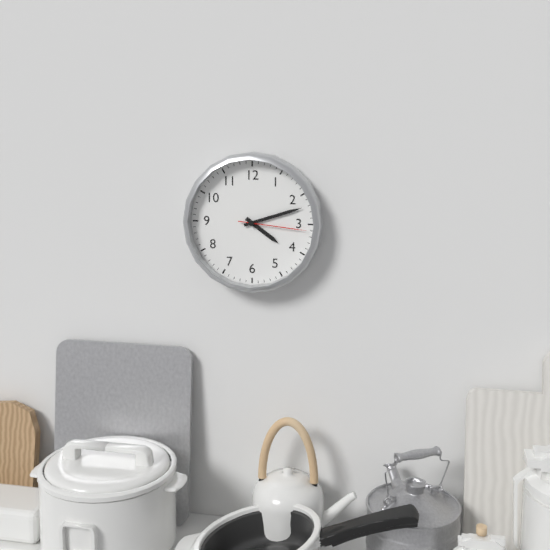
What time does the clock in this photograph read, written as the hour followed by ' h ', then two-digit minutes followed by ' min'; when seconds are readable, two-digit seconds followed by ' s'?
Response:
4 h 12 min 16 s
